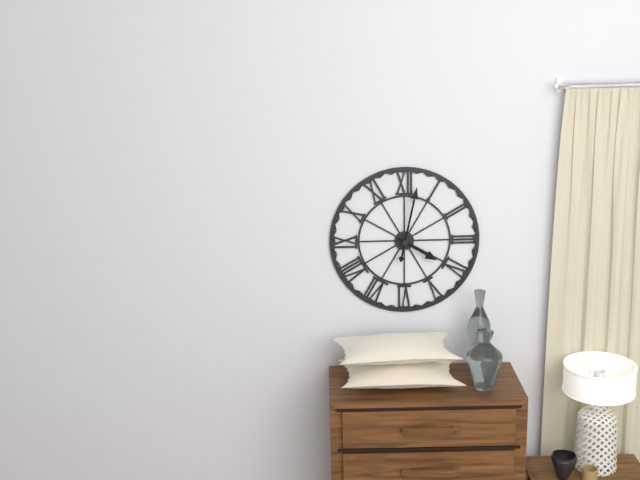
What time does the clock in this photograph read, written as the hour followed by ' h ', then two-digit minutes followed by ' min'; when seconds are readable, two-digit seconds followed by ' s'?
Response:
4 h 02 min
